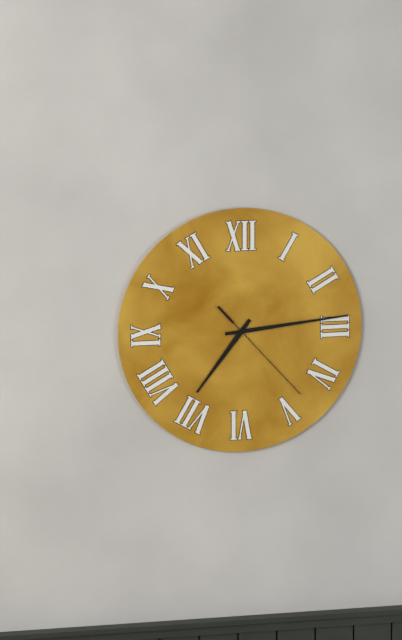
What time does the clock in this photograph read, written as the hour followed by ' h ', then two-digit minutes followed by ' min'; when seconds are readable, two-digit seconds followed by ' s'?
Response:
7 h 14 min 23 s
